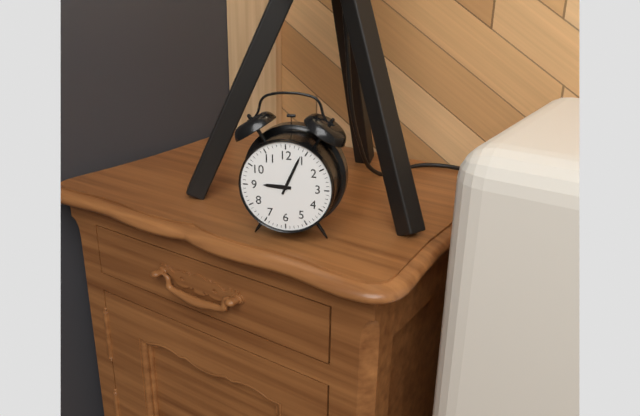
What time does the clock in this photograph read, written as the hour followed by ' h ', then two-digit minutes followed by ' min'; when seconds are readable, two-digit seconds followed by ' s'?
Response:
9 h 04 min
